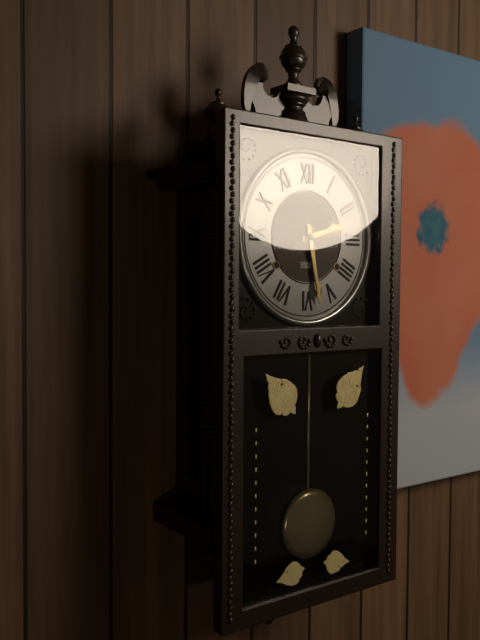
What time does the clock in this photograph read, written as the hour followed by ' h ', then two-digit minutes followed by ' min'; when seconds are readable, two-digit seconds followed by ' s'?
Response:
2 h 28 min
